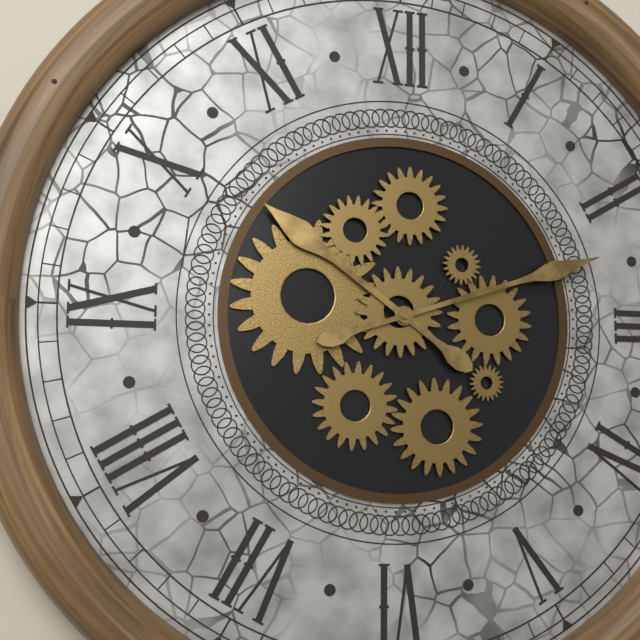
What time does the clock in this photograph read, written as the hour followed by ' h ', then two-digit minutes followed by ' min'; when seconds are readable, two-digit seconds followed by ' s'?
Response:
10 h 12 min
